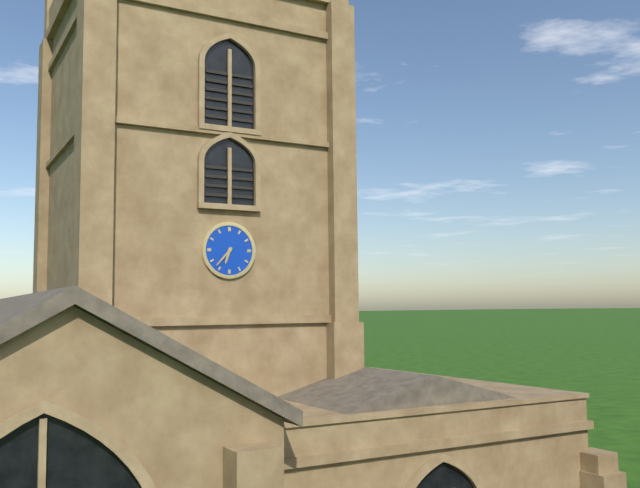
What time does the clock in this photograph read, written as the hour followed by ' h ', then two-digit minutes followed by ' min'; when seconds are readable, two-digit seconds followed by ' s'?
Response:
6 h 37 min
